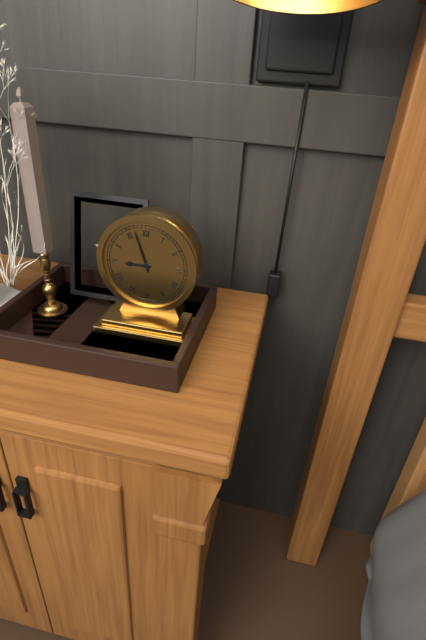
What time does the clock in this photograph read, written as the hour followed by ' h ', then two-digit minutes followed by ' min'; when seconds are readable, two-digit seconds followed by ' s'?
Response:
8 h 57 min
